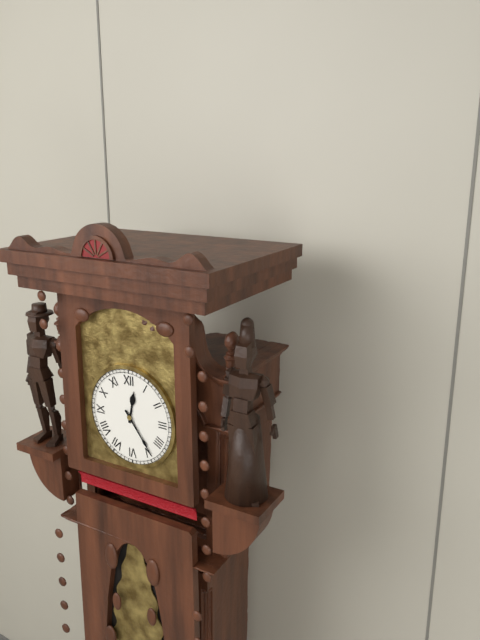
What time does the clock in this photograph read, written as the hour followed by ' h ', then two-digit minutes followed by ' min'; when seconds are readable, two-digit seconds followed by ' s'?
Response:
12 h 24 min
